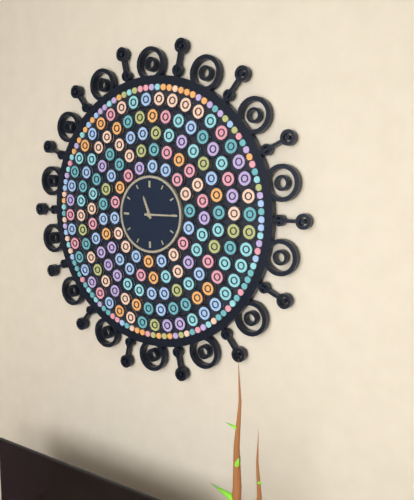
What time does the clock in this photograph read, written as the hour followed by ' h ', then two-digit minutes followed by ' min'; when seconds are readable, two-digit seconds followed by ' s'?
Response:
11 h 15 min
